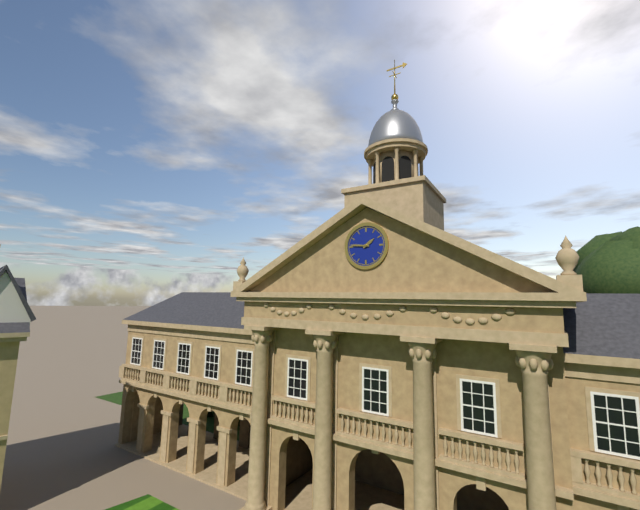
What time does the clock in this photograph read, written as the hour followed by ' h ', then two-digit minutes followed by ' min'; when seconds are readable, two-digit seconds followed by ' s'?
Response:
1 h 46 min
